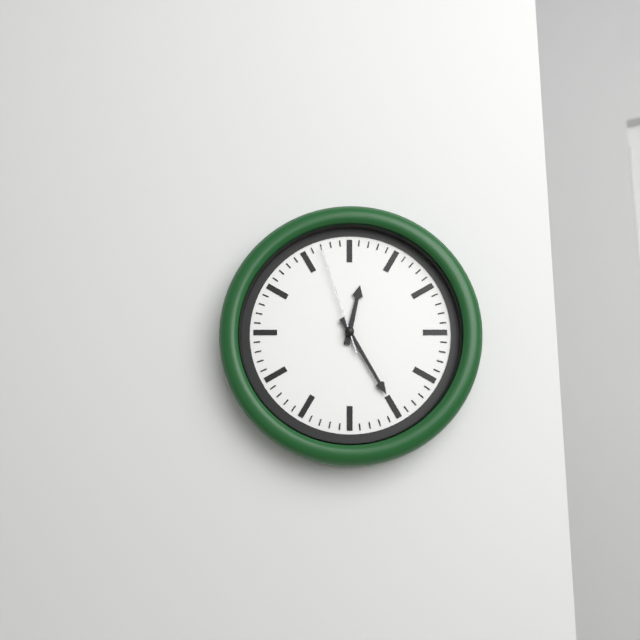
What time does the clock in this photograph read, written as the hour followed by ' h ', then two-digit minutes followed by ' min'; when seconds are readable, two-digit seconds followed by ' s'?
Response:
12 h 25 min 57 s
